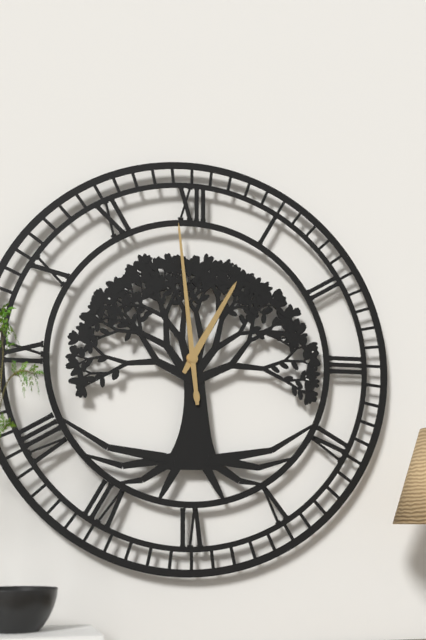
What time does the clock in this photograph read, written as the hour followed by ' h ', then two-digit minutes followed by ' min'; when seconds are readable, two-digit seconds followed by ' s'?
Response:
12 h 59 min
